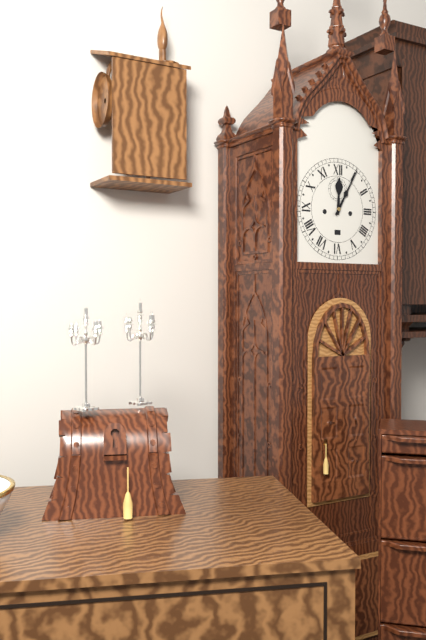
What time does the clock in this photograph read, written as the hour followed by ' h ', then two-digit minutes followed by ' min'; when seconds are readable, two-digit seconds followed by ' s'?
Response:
12 h 05 min
